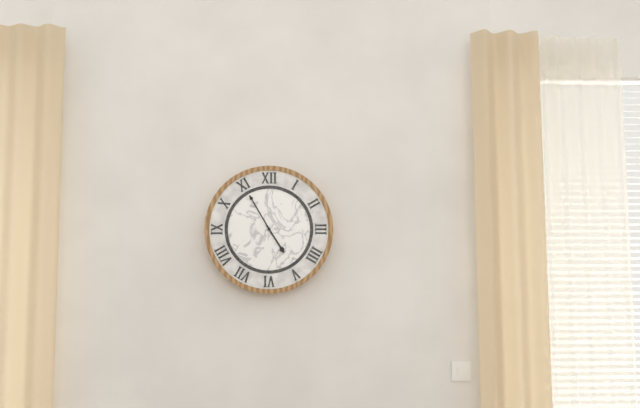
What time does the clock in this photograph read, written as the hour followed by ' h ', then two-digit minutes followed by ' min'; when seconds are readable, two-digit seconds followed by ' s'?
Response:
4 h 55 min
